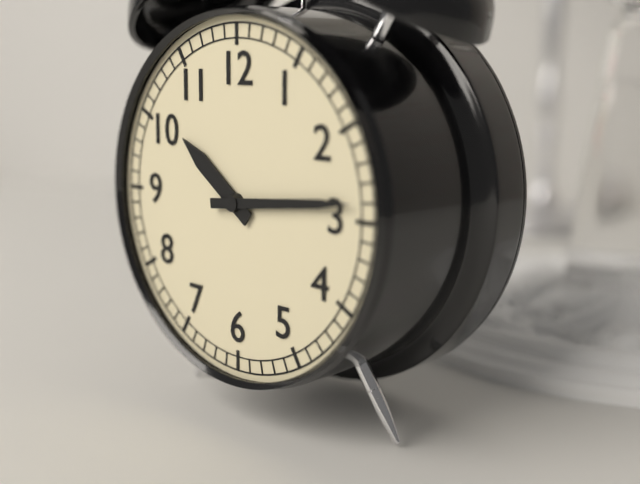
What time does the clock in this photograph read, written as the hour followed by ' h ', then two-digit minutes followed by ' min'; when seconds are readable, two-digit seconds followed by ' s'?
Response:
10 h 14 min
